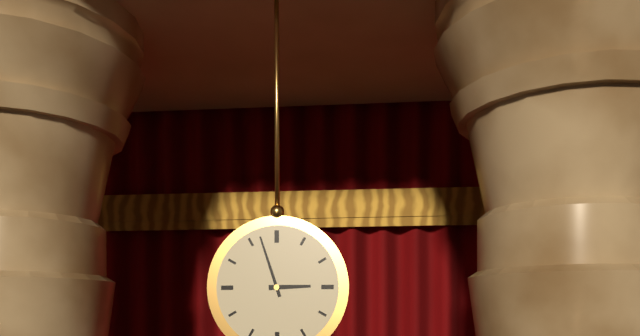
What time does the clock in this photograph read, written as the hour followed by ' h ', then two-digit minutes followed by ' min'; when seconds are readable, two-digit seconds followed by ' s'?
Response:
2 h 57 min
